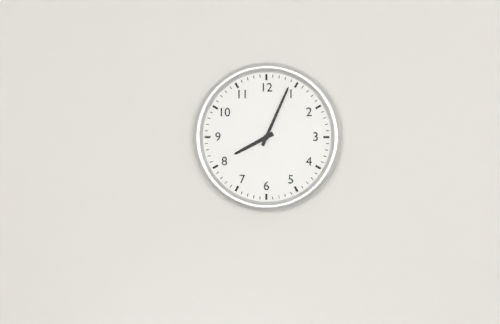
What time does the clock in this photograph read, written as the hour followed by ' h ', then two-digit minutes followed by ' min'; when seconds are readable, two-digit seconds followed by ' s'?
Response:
8 h 04 min
